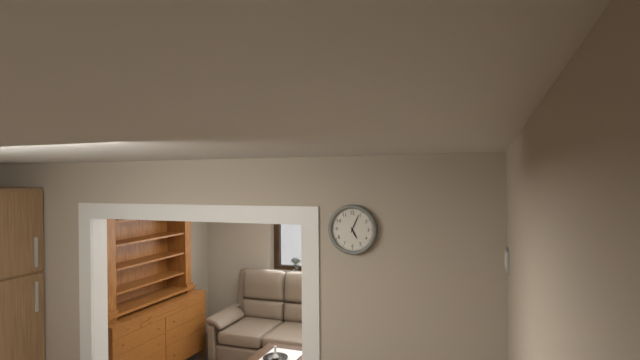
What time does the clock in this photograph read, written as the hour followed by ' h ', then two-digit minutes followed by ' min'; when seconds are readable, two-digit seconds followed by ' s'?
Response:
5 h 04 min
